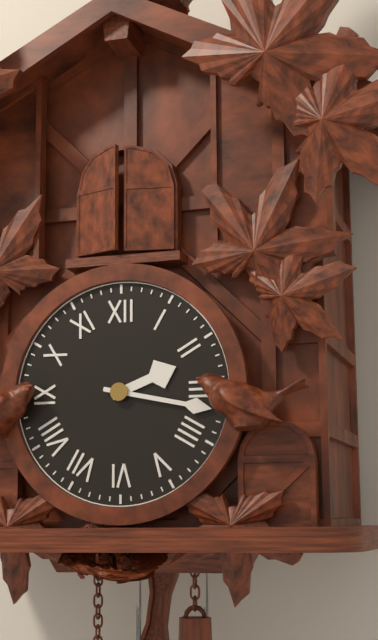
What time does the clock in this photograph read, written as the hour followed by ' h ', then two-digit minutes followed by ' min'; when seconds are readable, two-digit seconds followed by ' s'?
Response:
2 h 17 min
